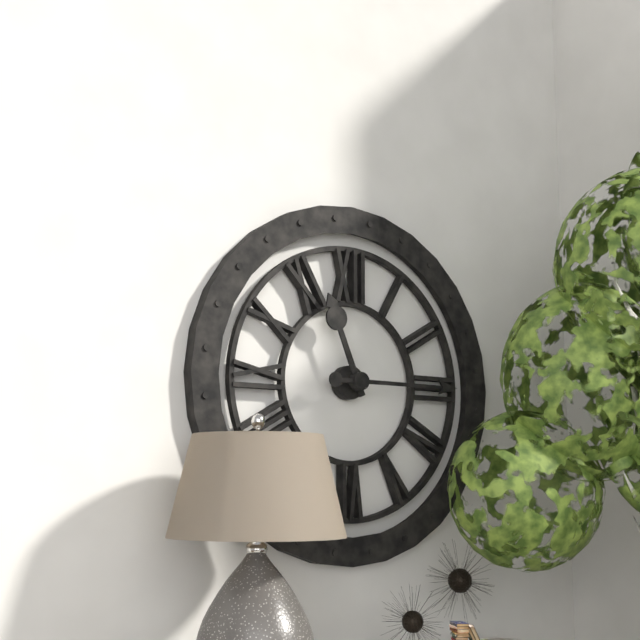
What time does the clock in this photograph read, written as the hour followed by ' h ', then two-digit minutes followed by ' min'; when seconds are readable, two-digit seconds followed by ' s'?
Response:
11 h 15 min
